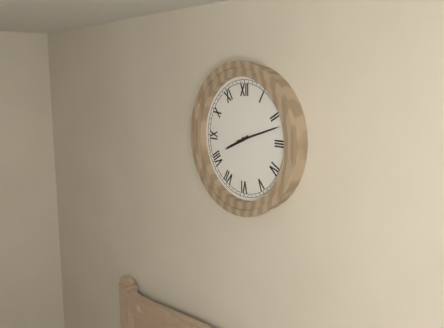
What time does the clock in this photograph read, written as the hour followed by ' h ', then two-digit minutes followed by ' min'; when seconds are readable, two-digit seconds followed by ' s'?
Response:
8 h 12 min
